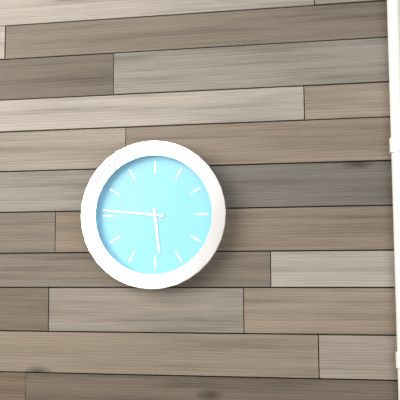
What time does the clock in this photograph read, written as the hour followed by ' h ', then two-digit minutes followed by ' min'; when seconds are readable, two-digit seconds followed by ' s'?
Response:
5 h 46 min
